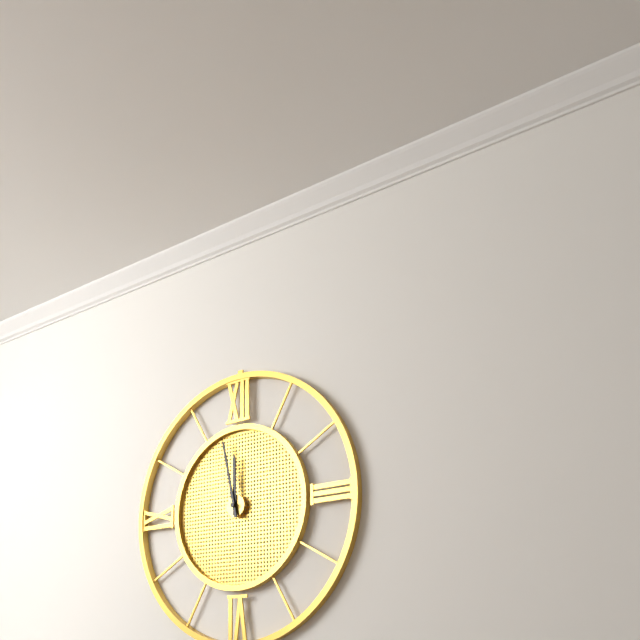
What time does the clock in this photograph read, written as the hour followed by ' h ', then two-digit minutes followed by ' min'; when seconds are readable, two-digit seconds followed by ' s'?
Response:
11 h 58 min
